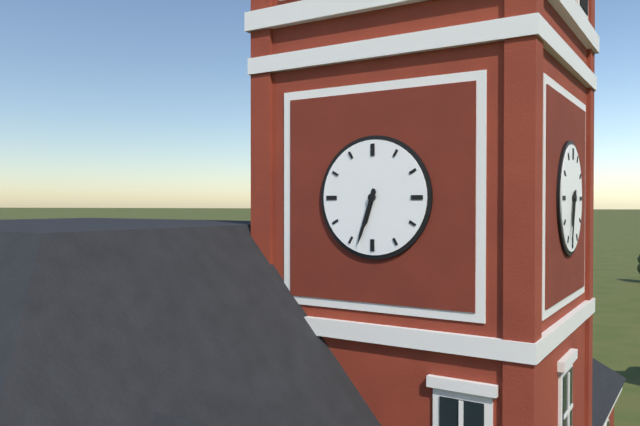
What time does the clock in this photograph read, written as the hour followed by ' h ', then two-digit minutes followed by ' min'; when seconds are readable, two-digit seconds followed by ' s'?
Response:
6 h 33 min
